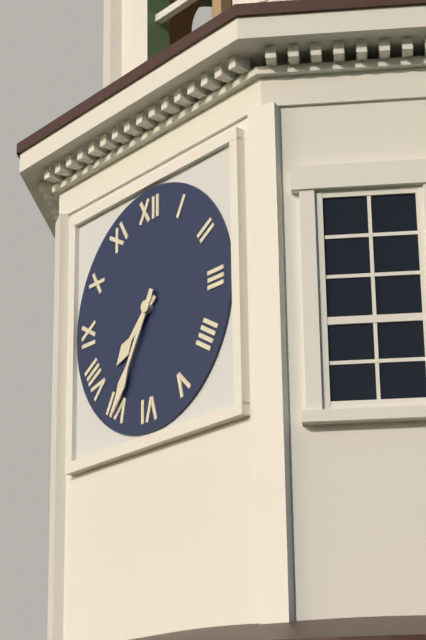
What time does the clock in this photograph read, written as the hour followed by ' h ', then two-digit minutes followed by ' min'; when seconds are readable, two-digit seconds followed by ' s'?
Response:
7 h 35 min
